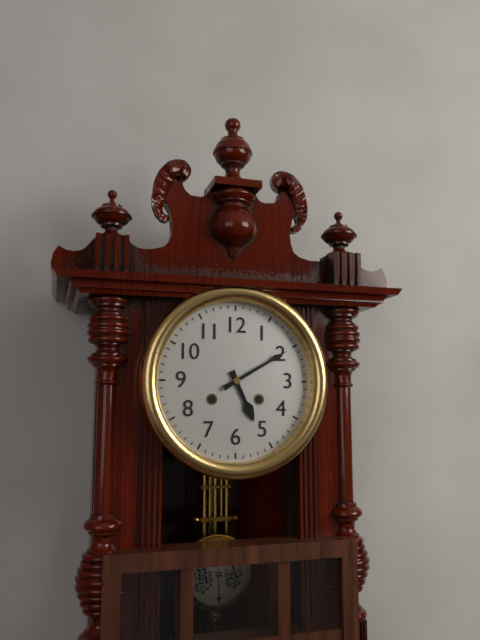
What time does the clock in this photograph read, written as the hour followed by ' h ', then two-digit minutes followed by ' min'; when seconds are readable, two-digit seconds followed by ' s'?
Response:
5 h 10 min
